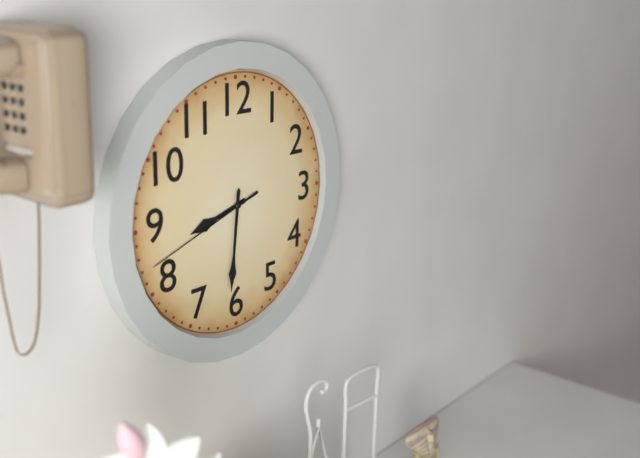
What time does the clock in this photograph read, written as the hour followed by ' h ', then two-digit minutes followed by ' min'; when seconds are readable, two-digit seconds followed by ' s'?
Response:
8 h 31 min 42 s
